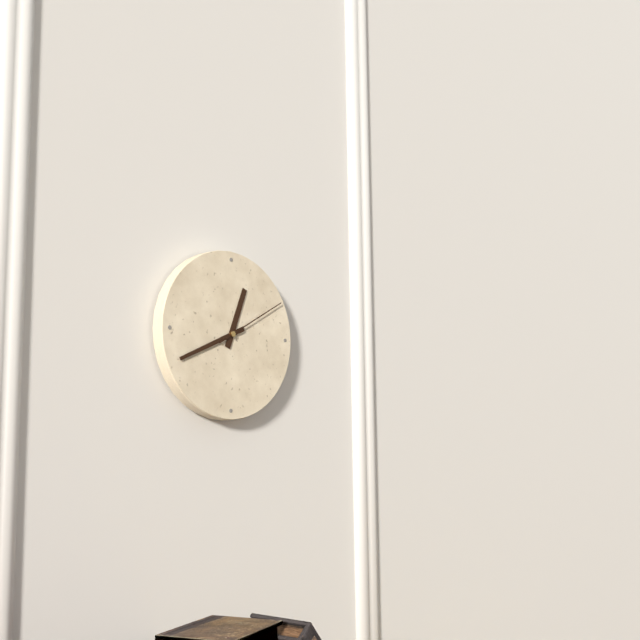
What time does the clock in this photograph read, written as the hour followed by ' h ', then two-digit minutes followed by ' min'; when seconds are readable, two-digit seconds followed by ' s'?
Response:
12 h 41 min 10 s
